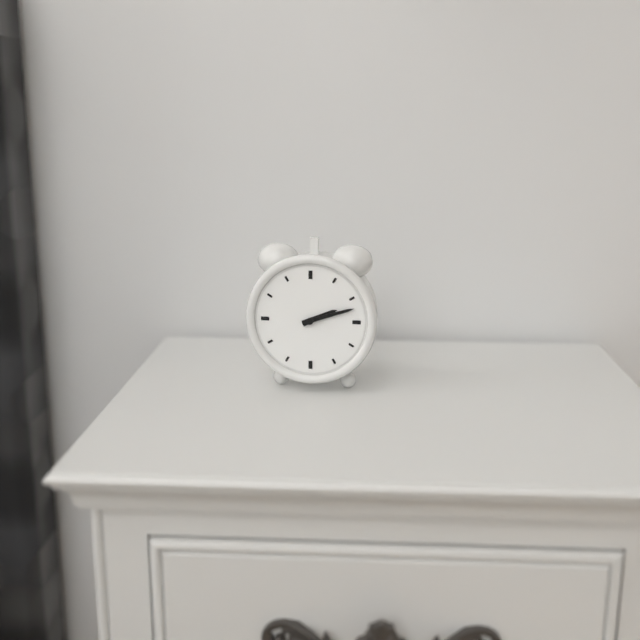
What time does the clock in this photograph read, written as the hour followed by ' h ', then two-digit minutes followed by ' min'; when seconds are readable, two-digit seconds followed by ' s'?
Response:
2 h 12 min
